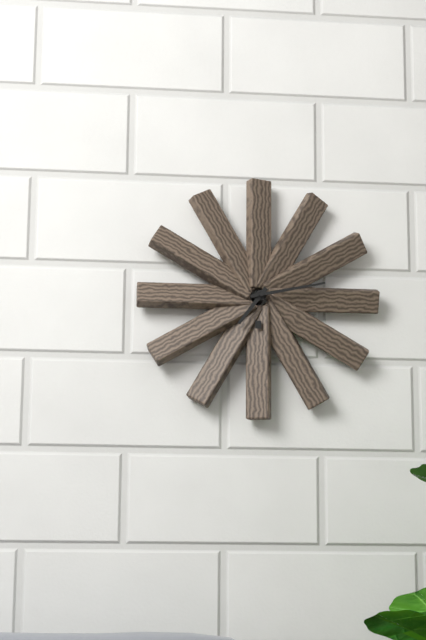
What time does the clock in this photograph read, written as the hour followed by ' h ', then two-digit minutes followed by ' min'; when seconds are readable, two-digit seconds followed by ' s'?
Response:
7 h 13 min
